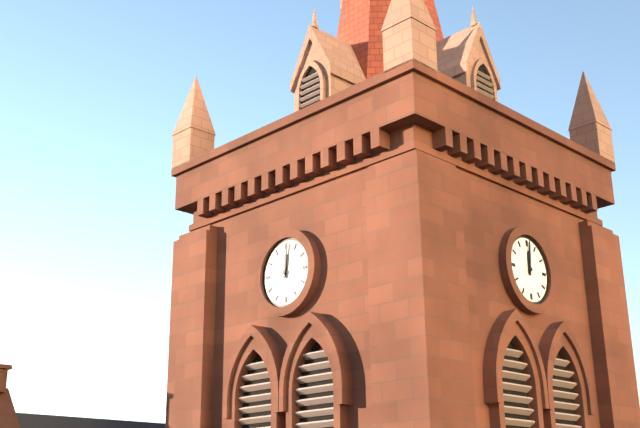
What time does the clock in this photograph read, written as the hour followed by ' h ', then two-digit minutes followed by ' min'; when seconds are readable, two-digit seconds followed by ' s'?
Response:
12 h 01 min
